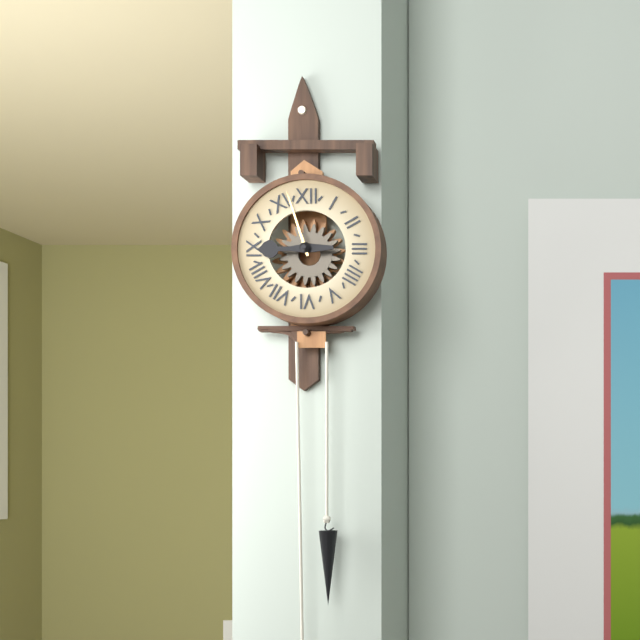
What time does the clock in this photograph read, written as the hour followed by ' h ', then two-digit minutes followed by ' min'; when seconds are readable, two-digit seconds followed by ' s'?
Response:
8 h 57 min
